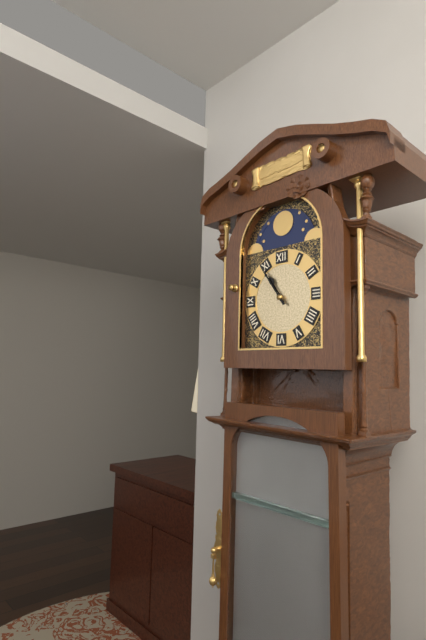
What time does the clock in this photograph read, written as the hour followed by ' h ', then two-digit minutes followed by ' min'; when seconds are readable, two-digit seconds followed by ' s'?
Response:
10 h 54 min
